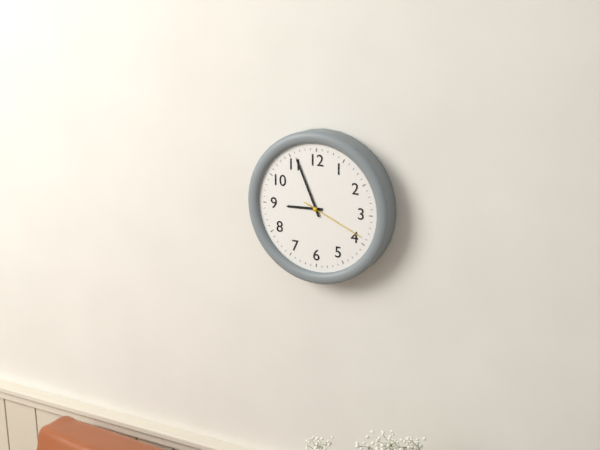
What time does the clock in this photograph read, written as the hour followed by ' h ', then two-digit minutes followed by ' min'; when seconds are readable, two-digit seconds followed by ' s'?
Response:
8 h 56 min 19 s
